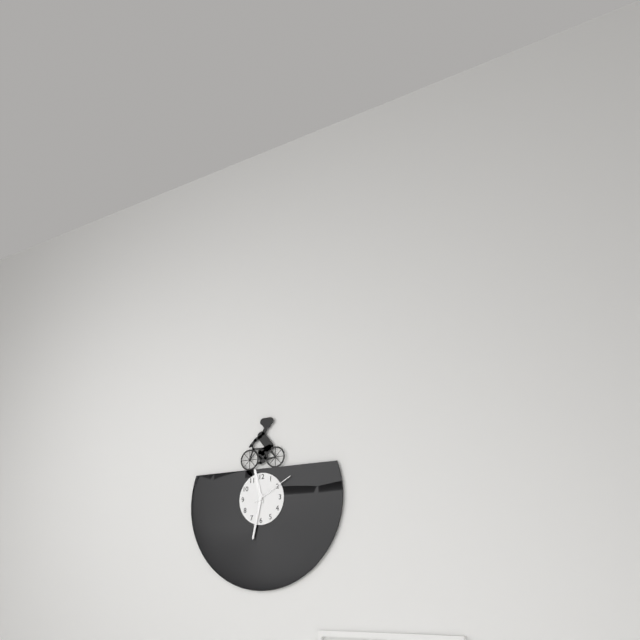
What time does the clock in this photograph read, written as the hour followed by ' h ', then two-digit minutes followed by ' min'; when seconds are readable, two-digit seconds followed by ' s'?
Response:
11 h 32 min
